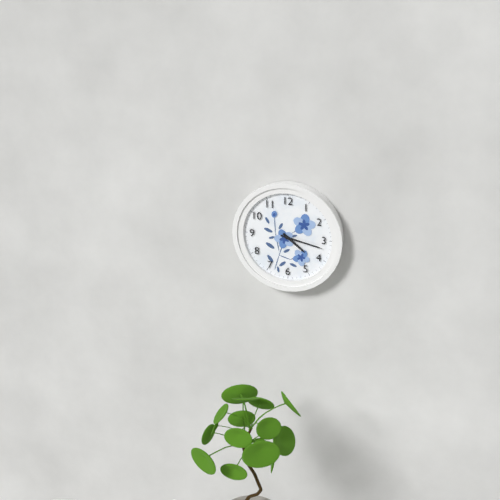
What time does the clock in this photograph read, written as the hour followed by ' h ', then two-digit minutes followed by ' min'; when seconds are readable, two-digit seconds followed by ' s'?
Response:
4 h 17 min
